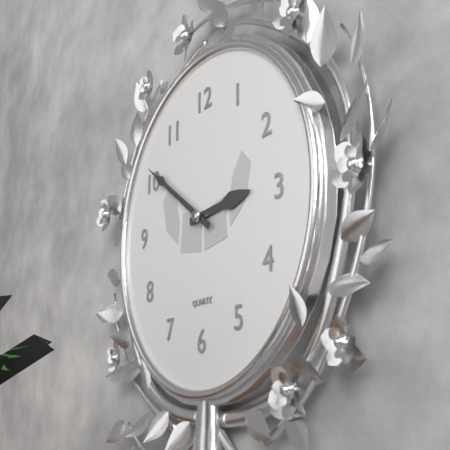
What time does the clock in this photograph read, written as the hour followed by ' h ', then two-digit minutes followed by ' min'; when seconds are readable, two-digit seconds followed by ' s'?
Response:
2 h 51 min
